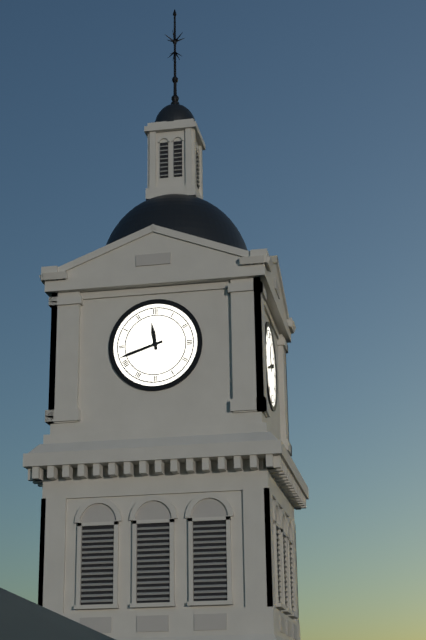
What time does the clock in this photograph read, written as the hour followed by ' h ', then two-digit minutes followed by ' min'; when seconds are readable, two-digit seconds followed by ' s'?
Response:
11 h 42 min
